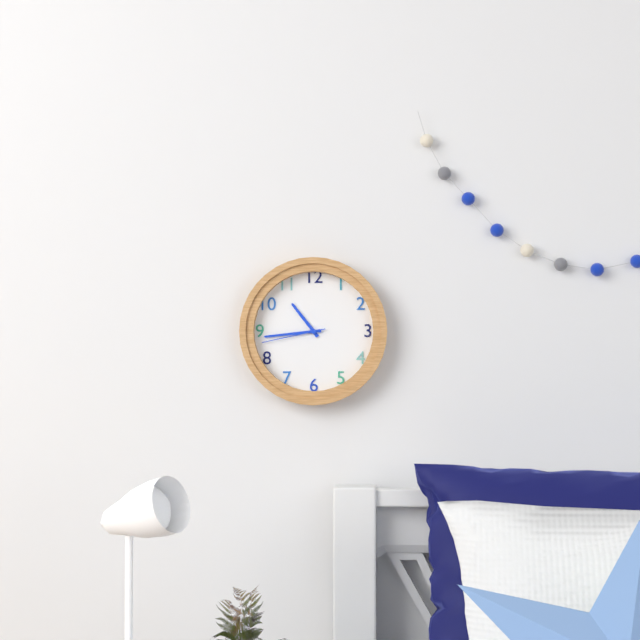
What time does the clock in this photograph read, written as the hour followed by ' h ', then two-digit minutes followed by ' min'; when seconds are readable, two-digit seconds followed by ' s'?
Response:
10 h 44 min 43 s
